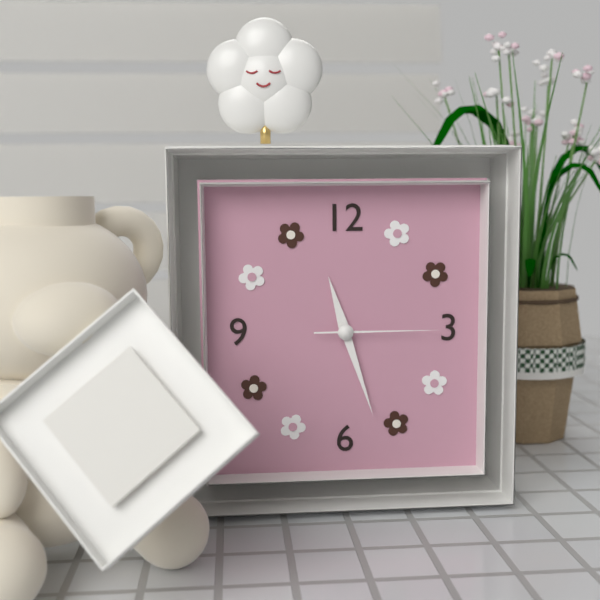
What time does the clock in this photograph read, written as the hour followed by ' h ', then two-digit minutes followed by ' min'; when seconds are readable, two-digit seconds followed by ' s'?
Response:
11 h 27 min 15 s
